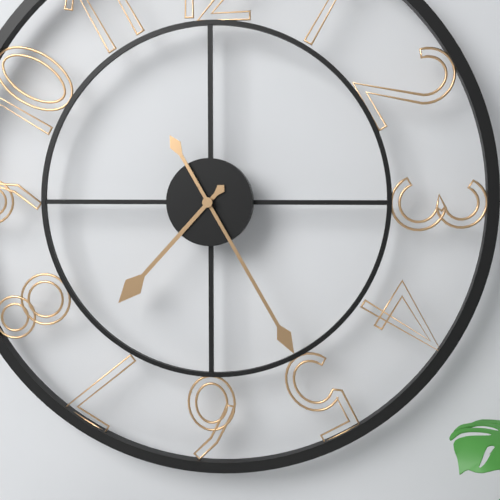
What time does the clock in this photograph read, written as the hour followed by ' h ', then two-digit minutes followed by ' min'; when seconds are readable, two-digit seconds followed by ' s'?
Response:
7 h 25 min
